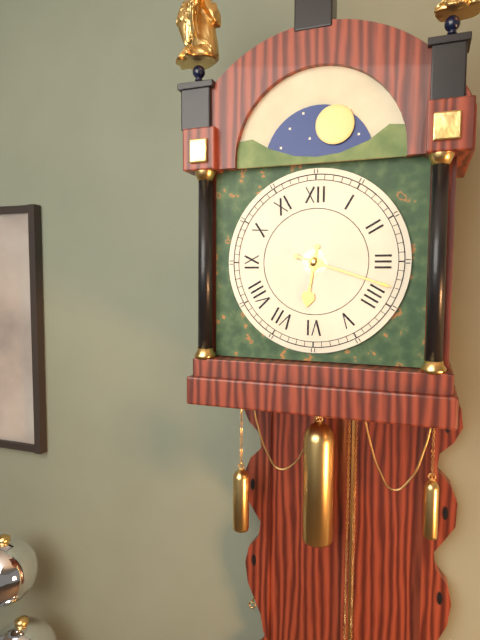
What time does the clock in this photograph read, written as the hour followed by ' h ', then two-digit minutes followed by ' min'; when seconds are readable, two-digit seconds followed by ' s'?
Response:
6 h 18 min
